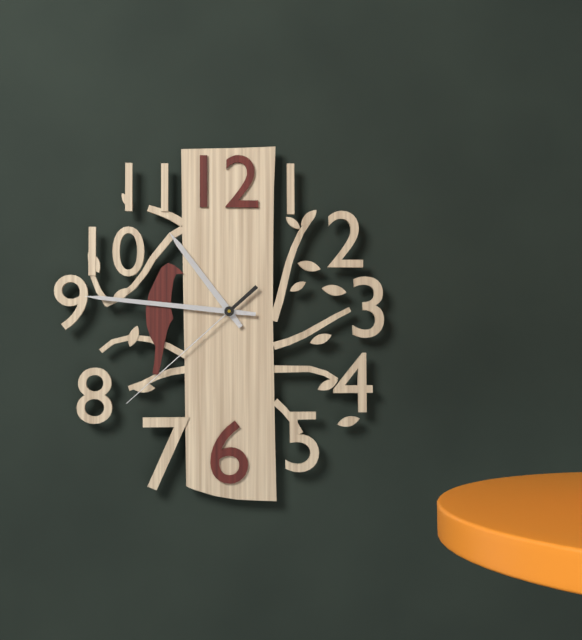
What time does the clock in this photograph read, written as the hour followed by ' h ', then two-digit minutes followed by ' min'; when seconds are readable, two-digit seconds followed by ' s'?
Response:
10 h 46 min 38 s
